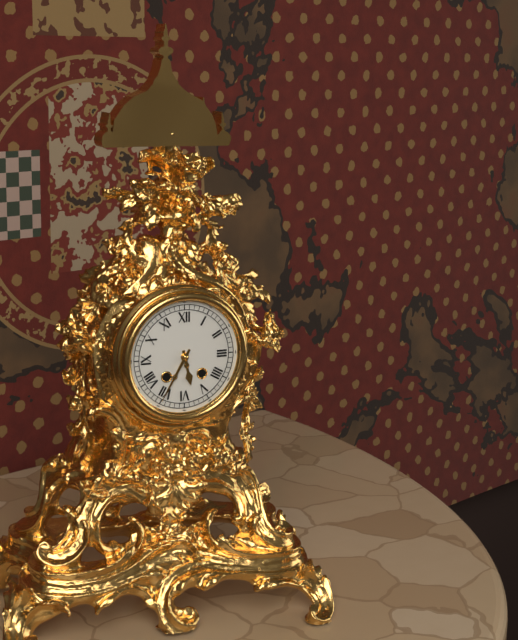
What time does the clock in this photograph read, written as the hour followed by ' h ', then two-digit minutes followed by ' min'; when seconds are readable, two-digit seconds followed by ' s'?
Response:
5 h 35 min
